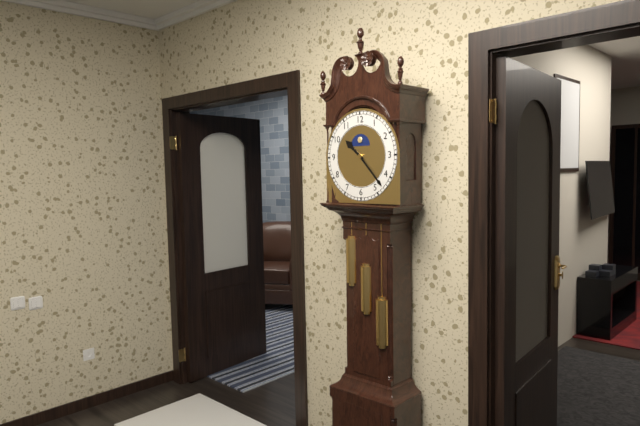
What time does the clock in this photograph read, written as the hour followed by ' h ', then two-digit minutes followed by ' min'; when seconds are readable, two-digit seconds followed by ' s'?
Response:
10 h 23 min
